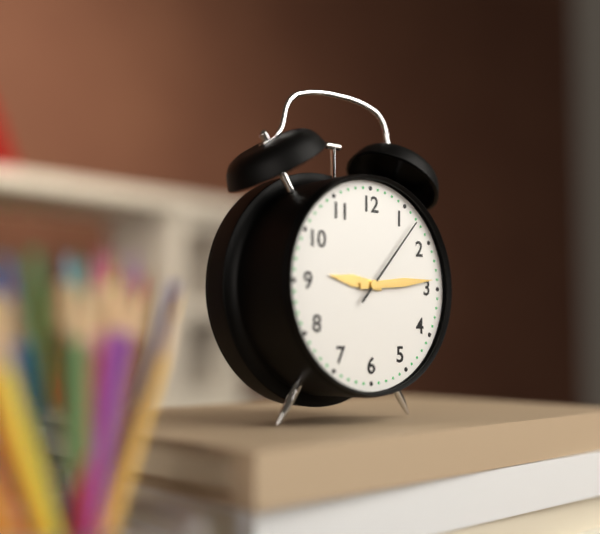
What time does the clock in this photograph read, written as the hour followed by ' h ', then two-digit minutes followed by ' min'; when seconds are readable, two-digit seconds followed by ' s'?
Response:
9 h 14 min 07 s
